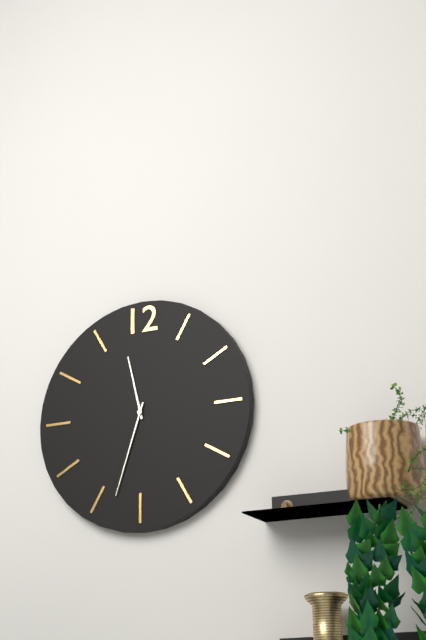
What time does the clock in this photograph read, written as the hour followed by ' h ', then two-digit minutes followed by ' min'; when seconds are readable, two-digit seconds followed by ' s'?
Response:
11 h 33 min
